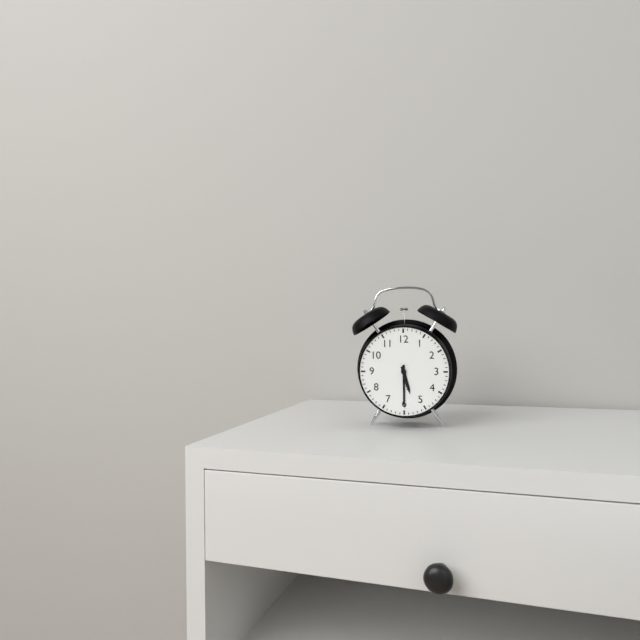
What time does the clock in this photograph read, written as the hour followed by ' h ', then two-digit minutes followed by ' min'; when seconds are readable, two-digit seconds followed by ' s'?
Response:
5 h 30 min
